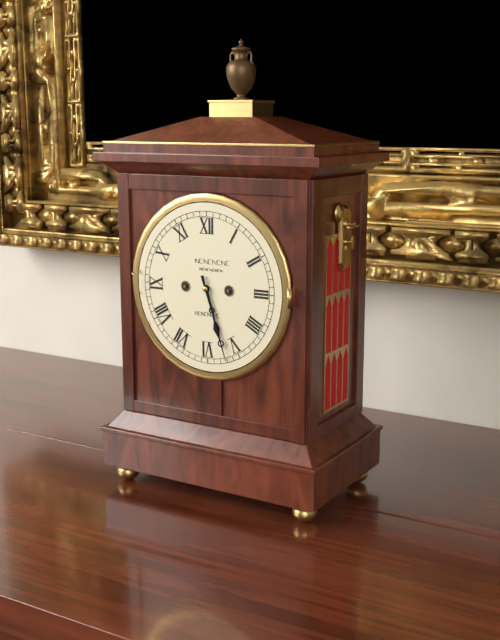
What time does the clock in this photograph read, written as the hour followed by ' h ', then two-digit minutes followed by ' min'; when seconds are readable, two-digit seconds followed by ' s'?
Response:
5 h 27 min
